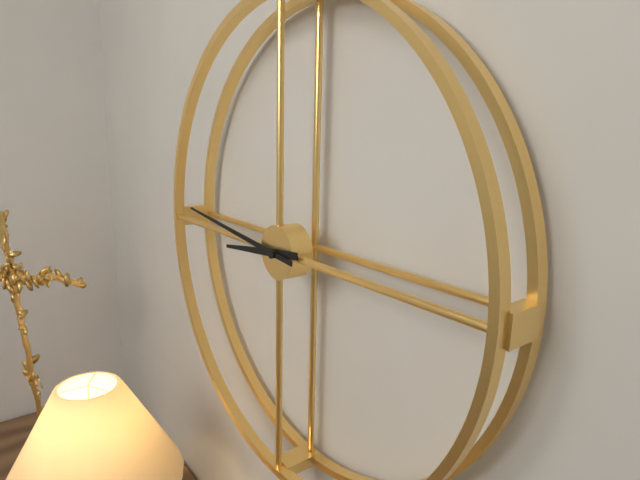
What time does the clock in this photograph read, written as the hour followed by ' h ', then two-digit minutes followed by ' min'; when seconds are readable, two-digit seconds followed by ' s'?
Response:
8 h 46 min
